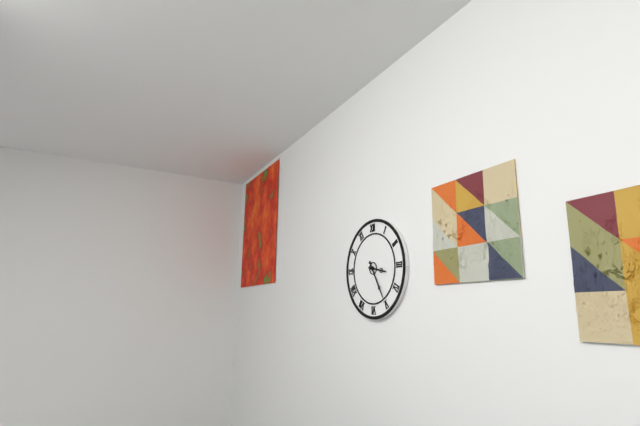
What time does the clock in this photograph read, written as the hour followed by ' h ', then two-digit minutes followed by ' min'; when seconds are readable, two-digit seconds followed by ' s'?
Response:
3 h 25 min
